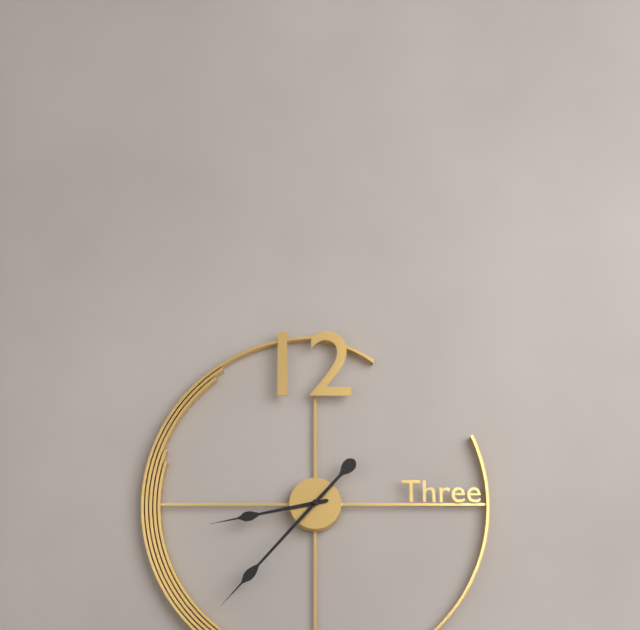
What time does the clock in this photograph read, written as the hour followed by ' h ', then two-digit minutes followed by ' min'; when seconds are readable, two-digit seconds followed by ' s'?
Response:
8 h 37 min
